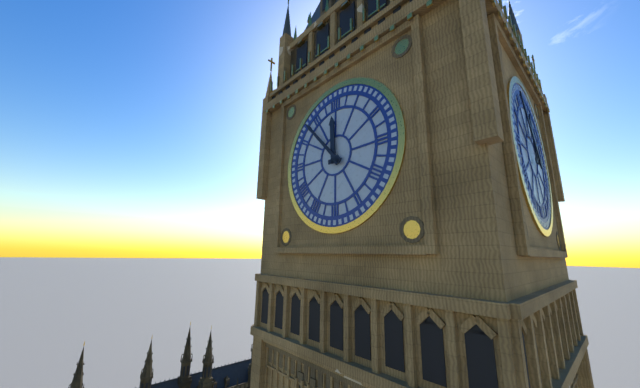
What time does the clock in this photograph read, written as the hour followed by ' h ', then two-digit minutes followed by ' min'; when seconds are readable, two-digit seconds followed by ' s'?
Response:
11 h 53 min
